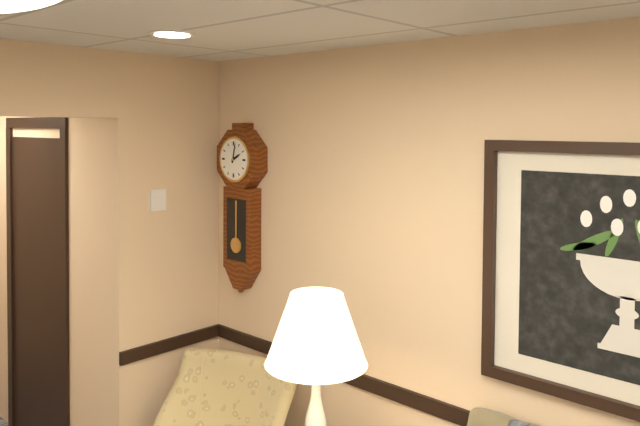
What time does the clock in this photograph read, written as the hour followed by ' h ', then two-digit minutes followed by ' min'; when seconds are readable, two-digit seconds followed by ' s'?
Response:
2 h 02 min
